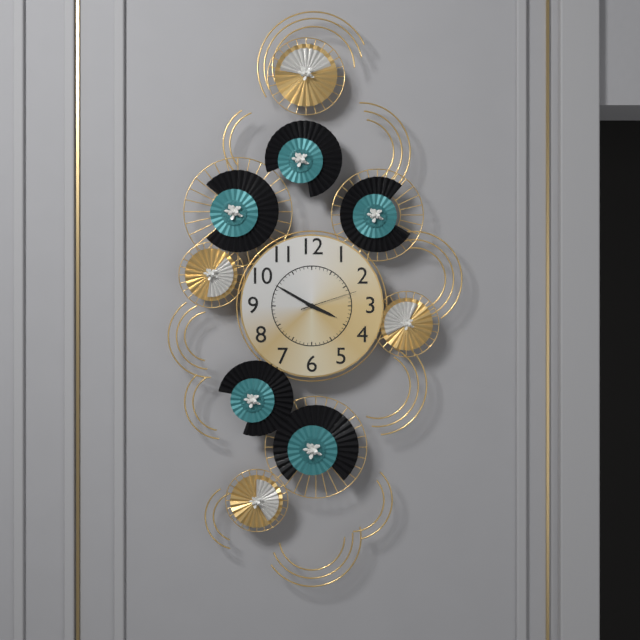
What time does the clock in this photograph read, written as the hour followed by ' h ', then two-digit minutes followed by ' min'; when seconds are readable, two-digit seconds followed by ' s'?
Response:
3 h 50 min 12 s
